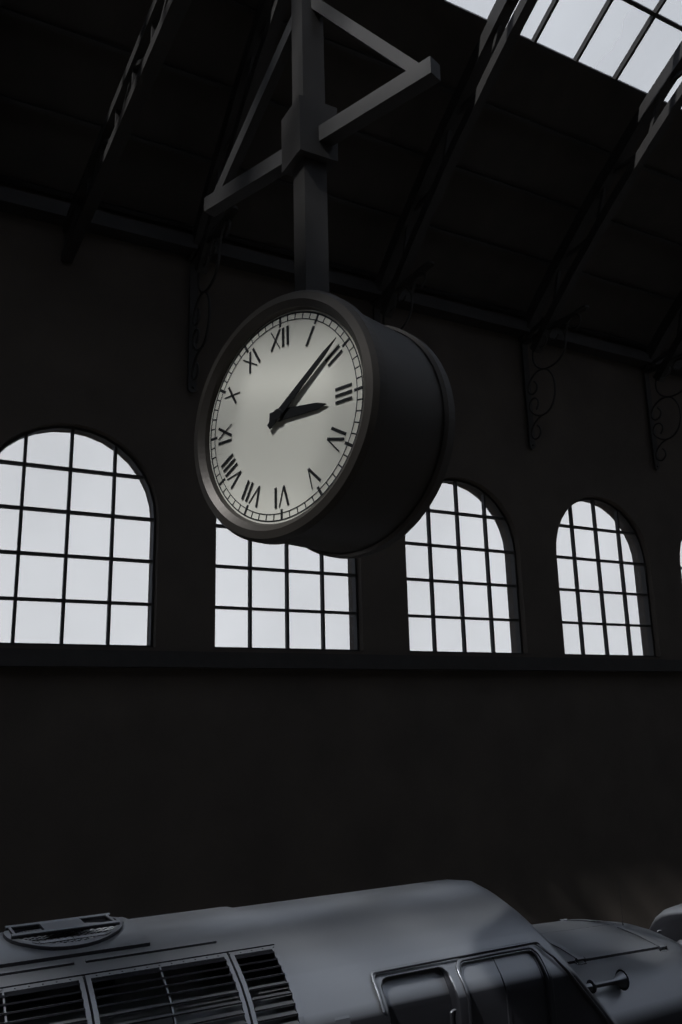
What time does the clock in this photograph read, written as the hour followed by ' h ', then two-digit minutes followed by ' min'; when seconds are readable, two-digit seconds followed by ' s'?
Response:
3 h 09 min
